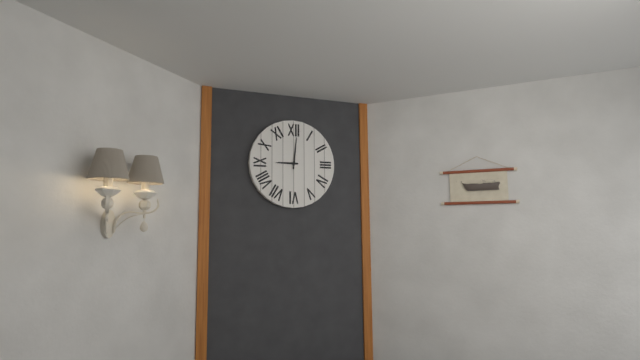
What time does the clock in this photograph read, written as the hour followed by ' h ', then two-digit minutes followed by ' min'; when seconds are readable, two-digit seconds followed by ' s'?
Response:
9 h 01 min
